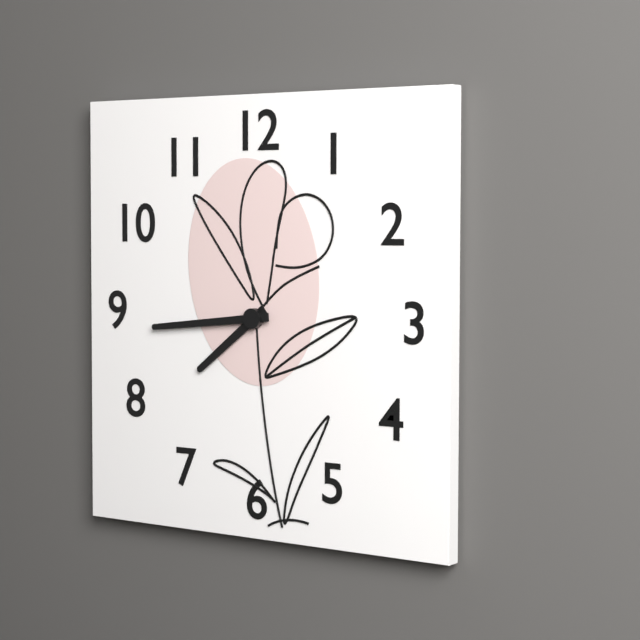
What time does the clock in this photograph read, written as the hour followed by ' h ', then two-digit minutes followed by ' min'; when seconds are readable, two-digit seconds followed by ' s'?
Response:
7 h 44 min
